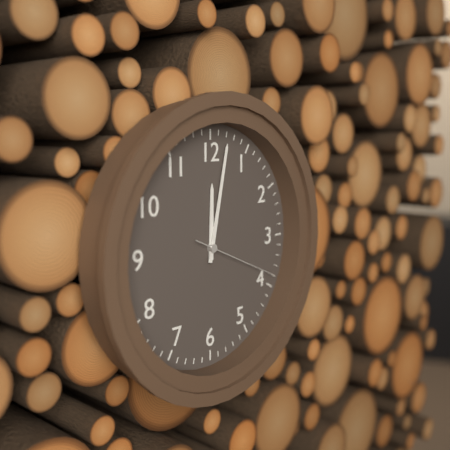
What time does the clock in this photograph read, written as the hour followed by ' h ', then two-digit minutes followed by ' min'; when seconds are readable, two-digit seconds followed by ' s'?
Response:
12 h 02 min 19 s
